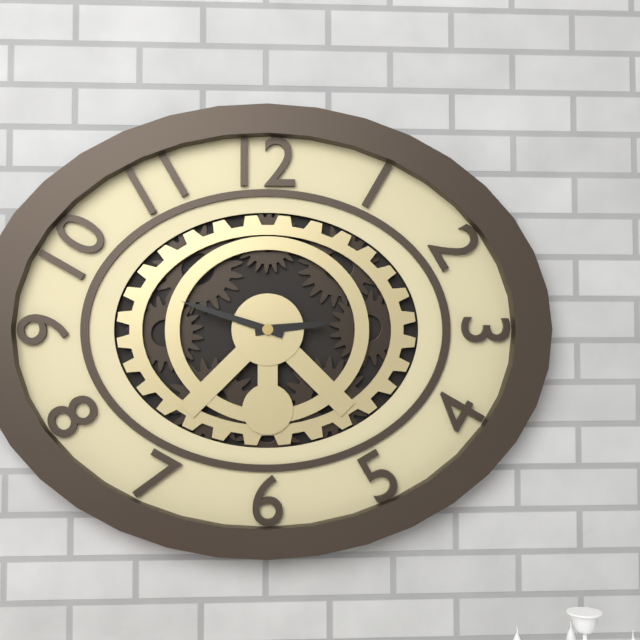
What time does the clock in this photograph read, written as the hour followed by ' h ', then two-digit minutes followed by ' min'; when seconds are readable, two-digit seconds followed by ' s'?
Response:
2 h 48 min
